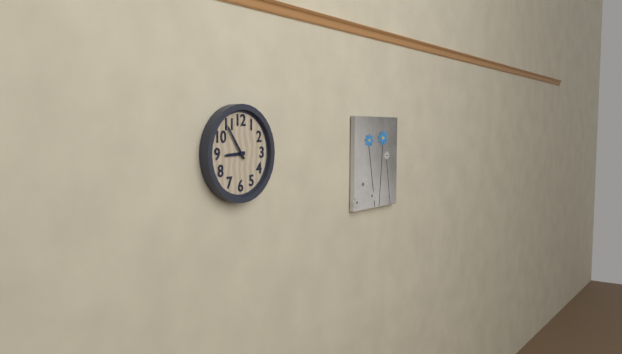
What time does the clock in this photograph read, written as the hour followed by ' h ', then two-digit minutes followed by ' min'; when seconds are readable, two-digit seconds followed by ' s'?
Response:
8 h 54 min
